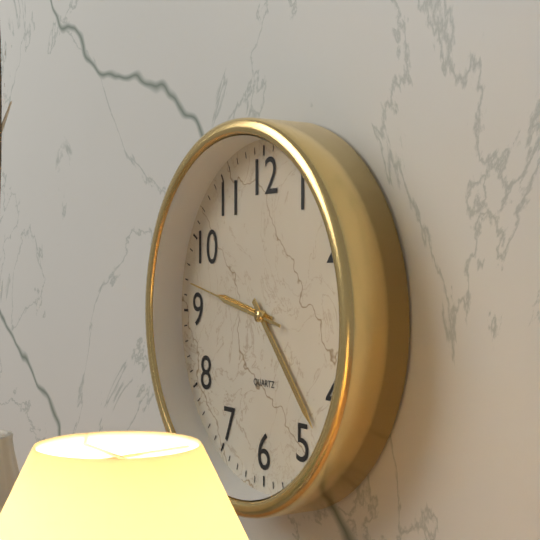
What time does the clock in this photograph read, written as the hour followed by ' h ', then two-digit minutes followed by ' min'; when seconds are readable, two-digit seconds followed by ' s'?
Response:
9 h 23 min 47 s
